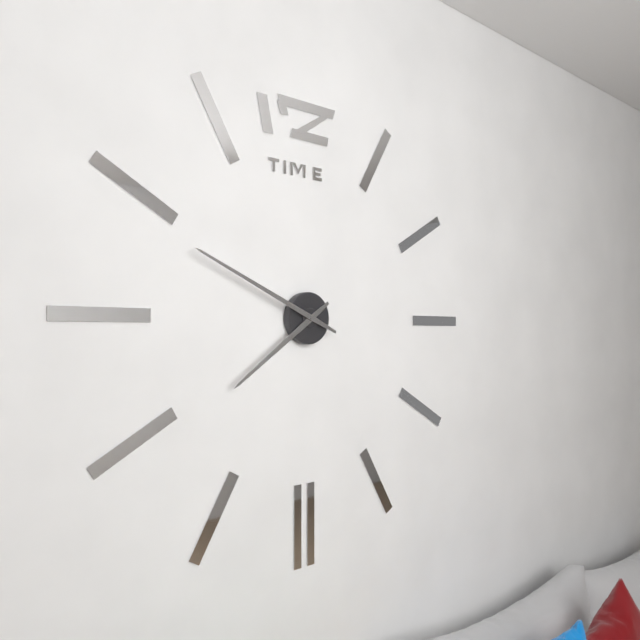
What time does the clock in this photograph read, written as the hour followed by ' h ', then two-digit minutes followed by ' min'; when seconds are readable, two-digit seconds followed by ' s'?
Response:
7 h 49 min
